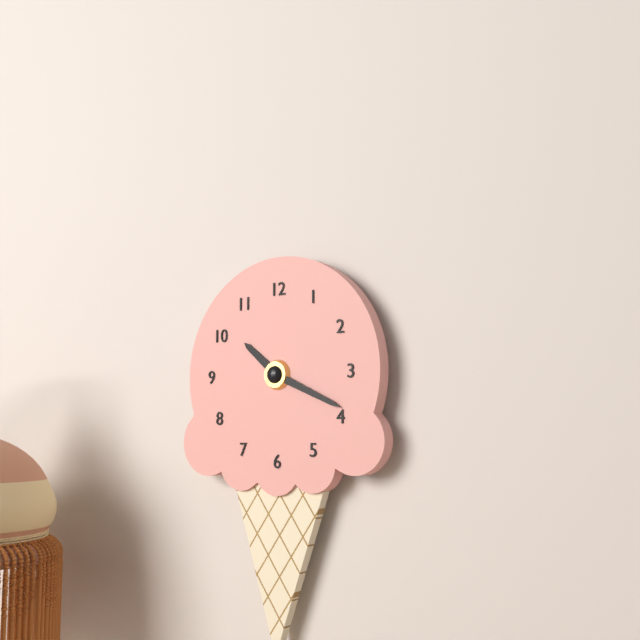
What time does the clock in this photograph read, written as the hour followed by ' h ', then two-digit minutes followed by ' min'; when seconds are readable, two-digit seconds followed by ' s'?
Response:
10 h 19 min
